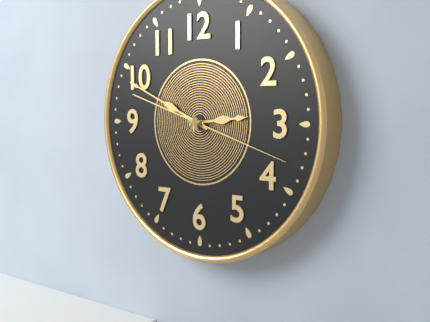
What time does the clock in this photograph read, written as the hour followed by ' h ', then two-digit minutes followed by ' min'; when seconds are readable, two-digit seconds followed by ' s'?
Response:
2 h 49 min 18 s
